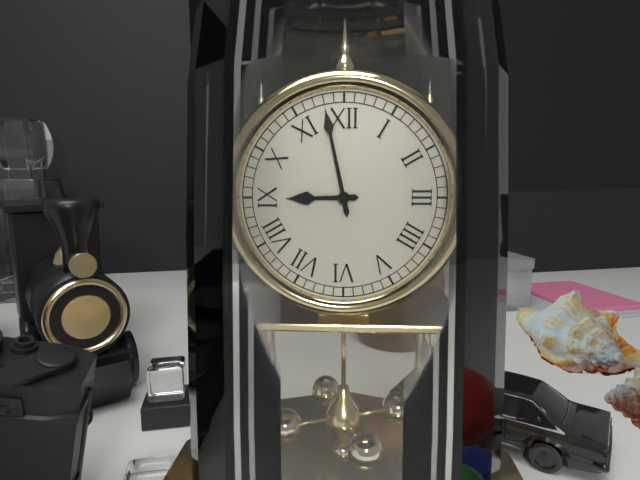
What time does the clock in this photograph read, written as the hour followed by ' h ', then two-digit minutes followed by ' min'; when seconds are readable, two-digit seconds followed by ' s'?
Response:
8 h 58 min
